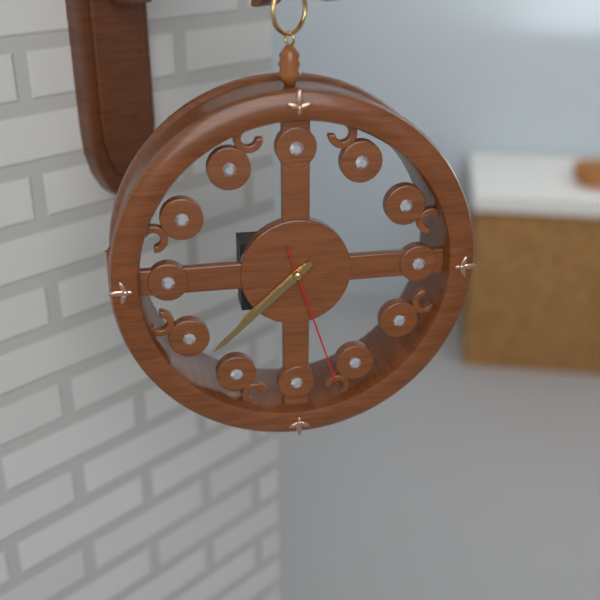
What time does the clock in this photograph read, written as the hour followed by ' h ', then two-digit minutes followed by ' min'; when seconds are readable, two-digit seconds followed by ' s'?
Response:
7 h 38 min 27 s
